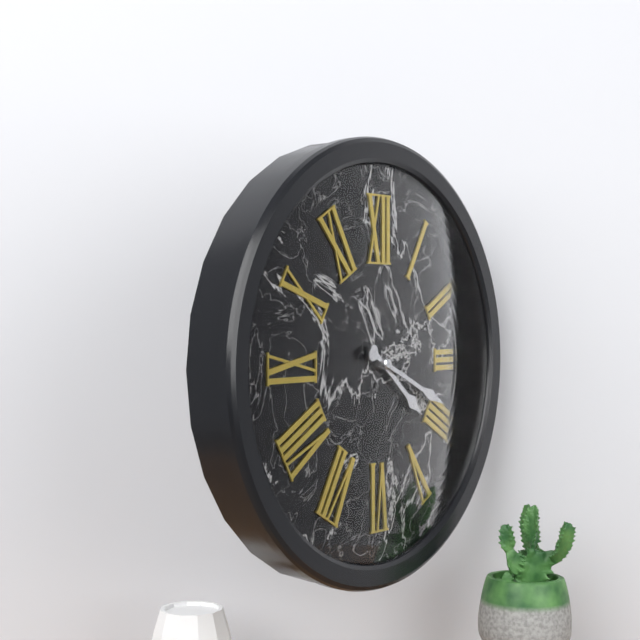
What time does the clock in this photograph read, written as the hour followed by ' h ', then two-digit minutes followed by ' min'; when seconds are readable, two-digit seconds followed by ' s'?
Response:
4 h 19 min
